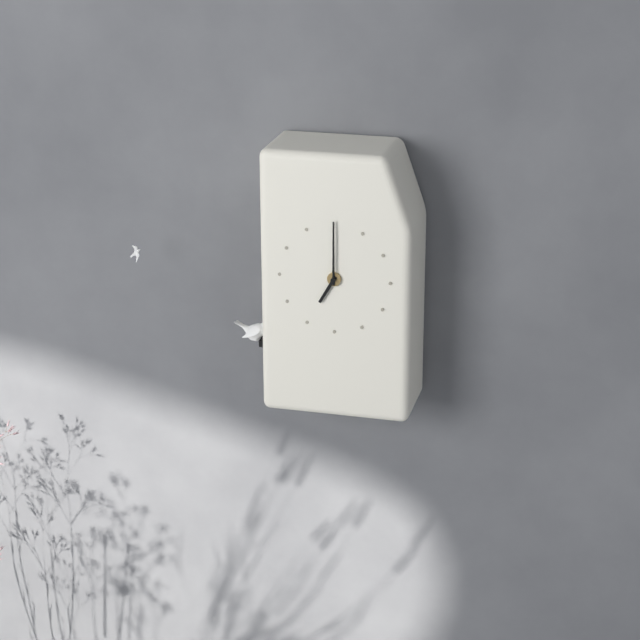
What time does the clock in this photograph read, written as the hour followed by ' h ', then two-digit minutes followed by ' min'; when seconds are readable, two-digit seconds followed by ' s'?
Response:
7 h 00 min
